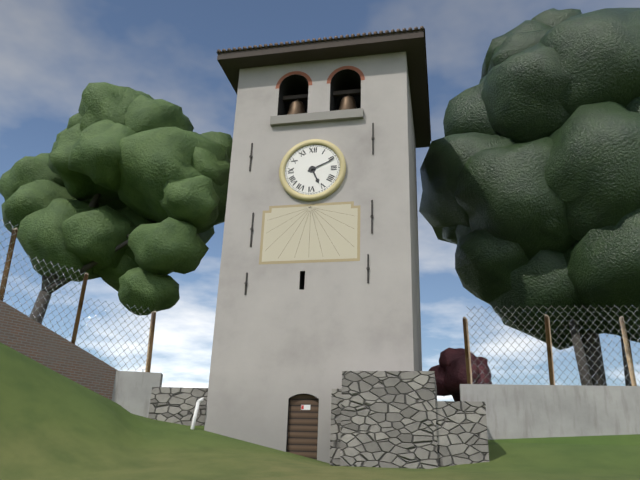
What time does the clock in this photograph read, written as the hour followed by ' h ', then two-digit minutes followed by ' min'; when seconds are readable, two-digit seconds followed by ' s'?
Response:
5 h 11 min
